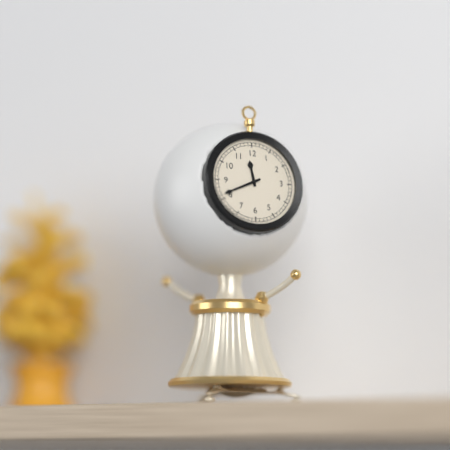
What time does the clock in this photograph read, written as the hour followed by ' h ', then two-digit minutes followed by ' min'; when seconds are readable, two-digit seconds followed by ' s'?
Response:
11 h 41 min
